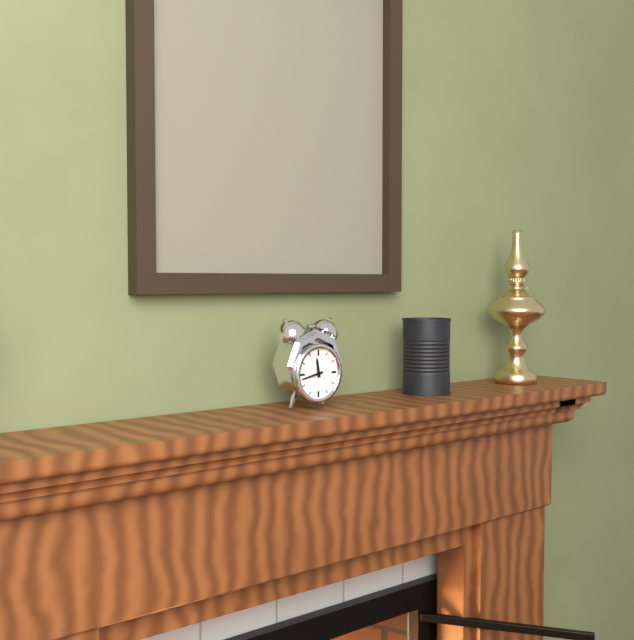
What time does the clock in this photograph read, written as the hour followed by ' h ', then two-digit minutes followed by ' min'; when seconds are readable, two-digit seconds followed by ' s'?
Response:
11 h 43 min
